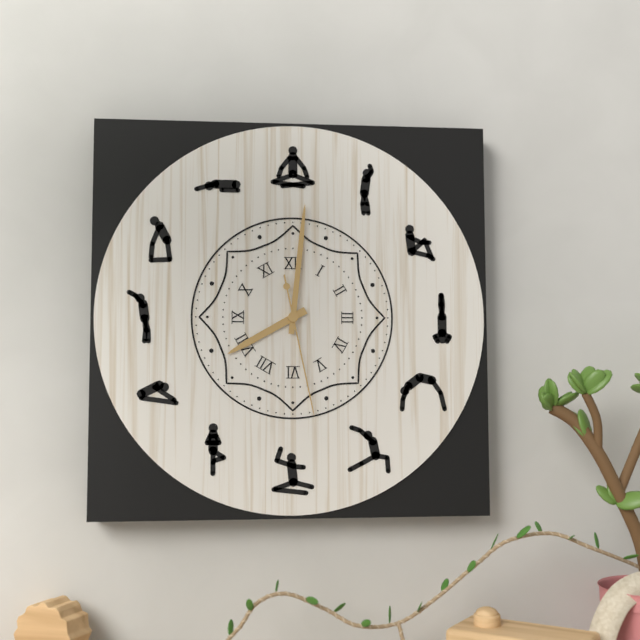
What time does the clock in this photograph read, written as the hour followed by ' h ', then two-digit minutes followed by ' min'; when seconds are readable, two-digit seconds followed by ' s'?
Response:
8 h 01 min 28 s
